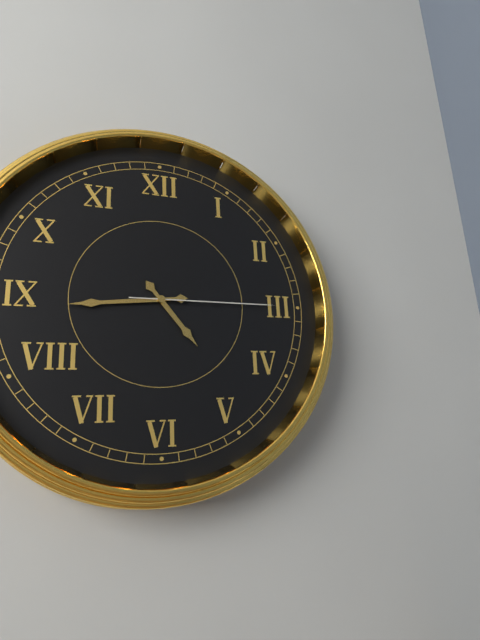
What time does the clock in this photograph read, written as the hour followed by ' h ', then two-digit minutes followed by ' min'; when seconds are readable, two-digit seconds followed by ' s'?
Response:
4 h 44 min 15 s
